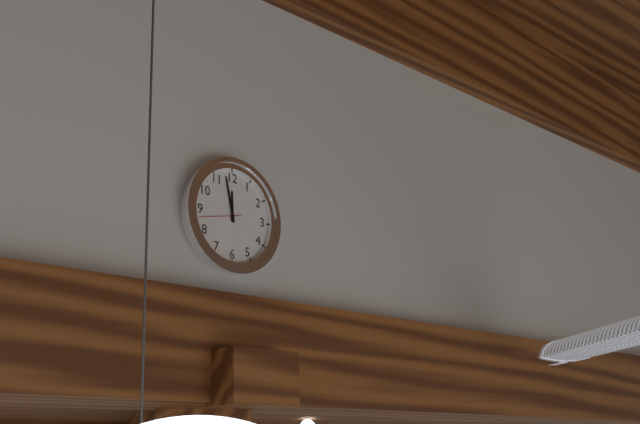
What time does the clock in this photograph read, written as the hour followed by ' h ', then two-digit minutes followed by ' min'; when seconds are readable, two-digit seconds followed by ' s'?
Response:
11 h 58 min
